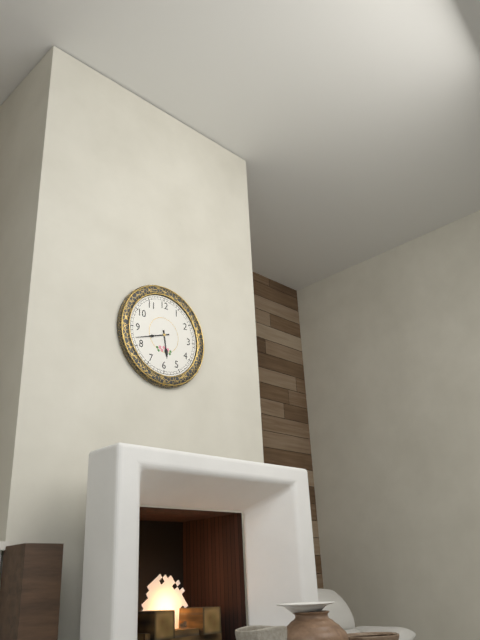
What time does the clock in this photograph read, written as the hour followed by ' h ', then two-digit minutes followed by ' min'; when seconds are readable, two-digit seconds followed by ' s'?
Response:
5 h 42 min
